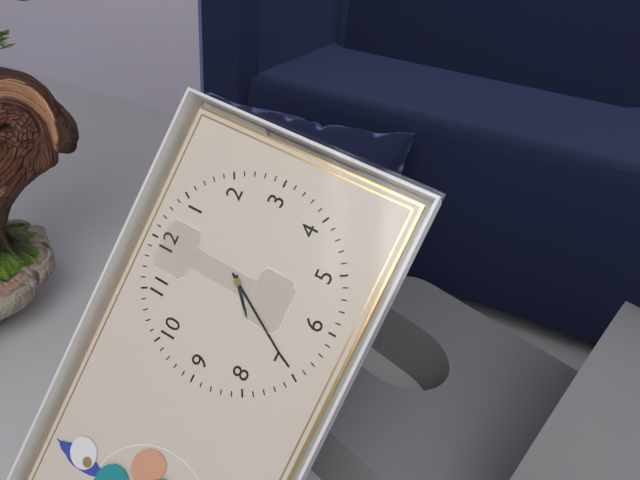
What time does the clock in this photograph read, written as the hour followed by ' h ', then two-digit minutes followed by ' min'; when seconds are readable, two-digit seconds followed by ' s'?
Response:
7 h 35 min
